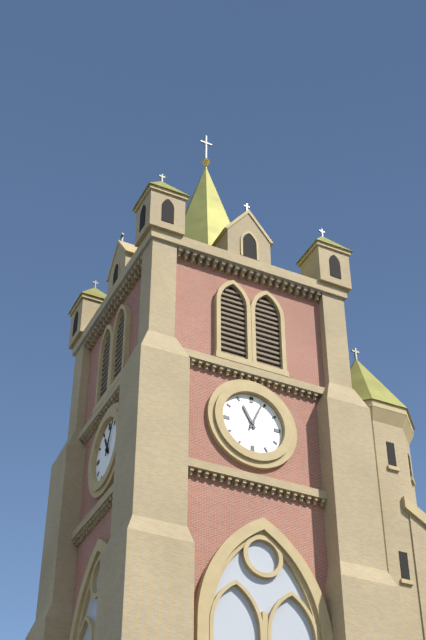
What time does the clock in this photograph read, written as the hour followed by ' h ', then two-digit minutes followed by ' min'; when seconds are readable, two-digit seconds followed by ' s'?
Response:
11 h 04 min
